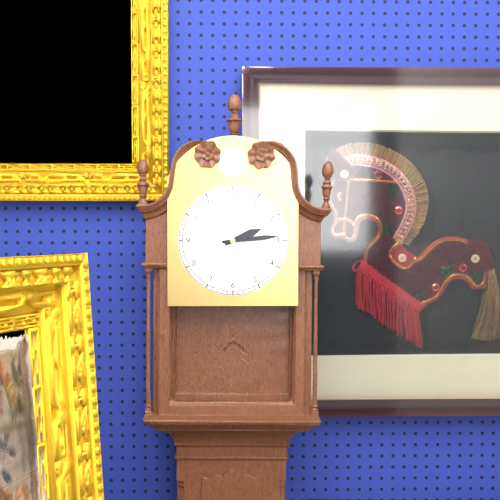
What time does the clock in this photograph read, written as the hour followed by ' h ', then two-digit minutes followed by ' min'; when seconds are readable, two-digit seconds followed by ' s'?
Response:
2 h 14 min
